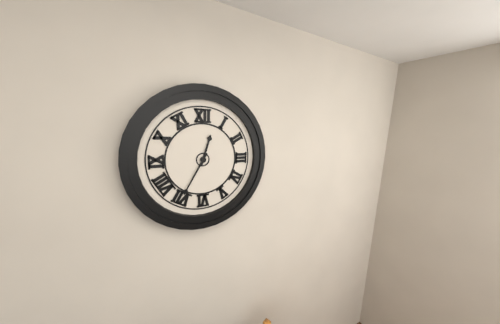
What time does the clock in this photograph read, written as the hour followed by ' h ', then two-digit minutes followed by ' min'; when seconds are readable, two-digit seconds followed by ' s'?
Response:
12 h 35 min
